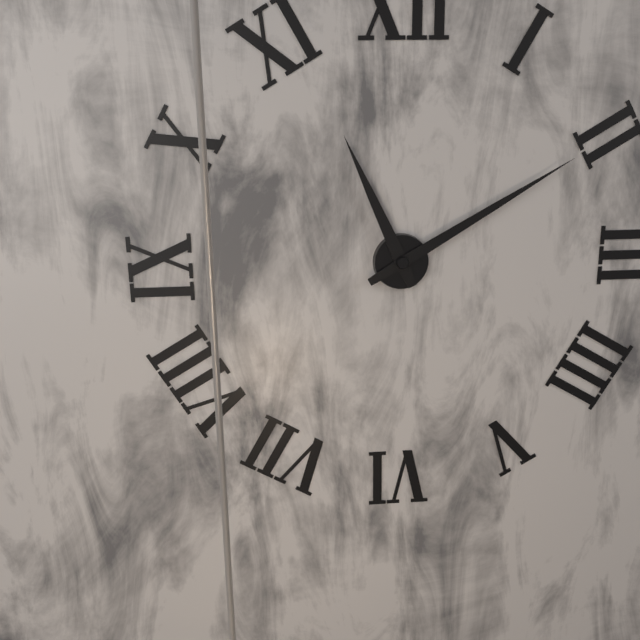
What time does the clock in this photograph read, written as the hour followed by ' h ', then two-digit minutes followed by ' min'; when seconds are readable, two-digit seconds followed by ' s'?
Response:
11 h 10 min
